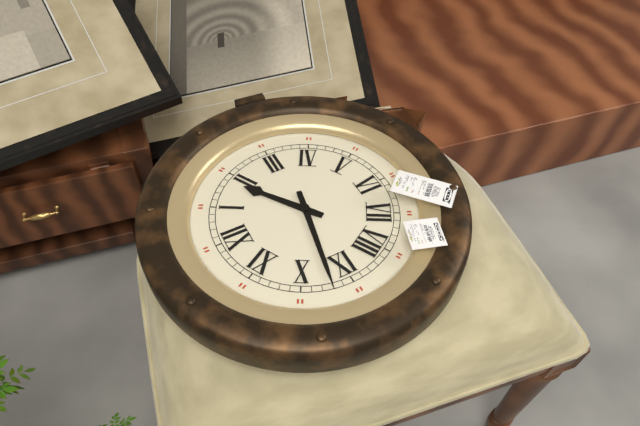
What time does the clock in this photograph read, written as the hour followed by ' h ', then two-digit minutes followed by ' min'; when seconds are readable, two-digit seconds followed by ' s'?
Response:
1 h 47 min
